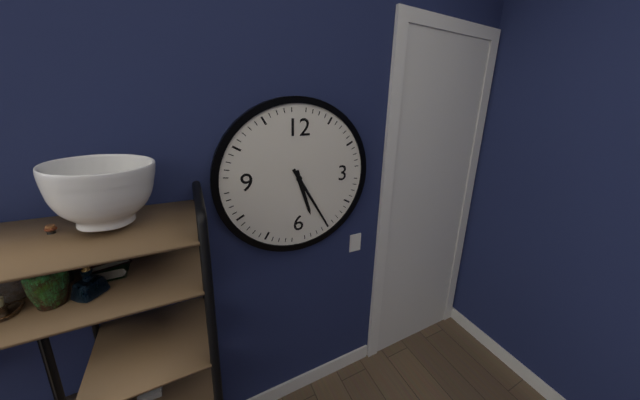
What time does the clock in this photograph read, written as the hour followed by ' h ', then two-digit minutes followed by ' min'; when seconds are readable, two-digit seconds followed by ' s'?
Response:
5 h 25 min
